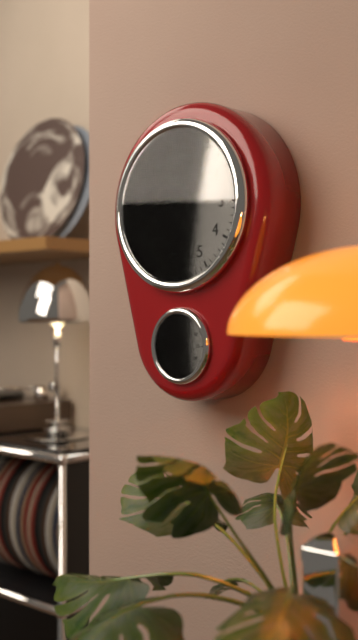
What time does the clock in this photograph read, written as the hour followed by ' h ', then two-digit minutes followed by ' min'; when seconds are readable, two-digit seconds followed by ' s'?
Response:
8 h 44 min 06 s
